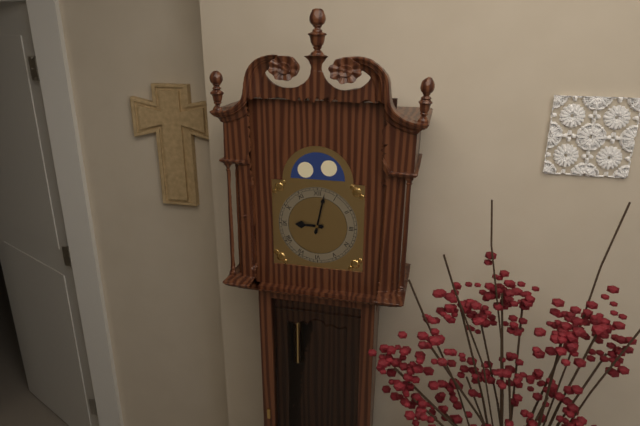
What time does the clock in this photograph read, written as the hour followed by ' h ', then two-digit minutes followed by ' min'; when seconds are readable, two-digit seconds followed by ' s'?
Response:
9 h 02 min
